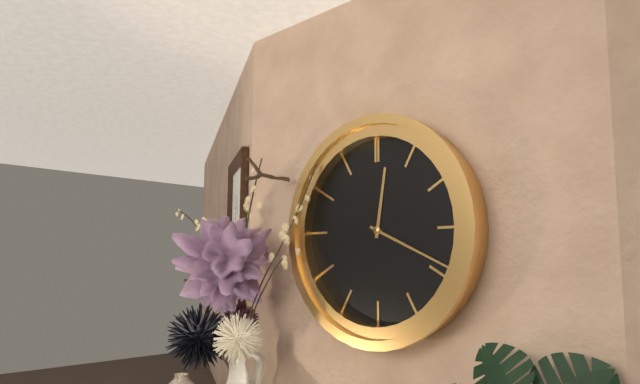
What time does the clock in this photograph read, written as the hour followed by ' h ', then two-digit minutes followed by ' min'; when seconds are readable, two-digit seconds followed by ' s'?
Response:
12 h 19 min
